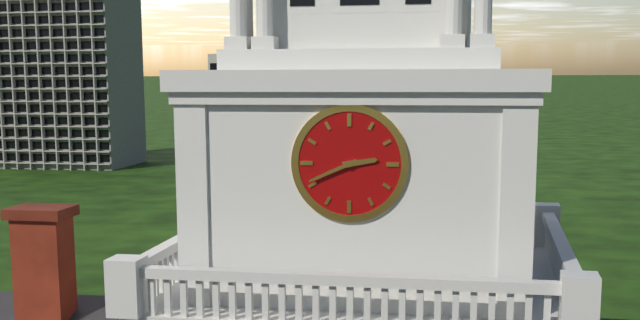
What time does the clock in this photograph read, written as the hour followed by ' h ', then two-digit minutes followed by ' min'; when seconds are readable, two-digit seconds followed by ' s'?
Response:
2 h 41 min
